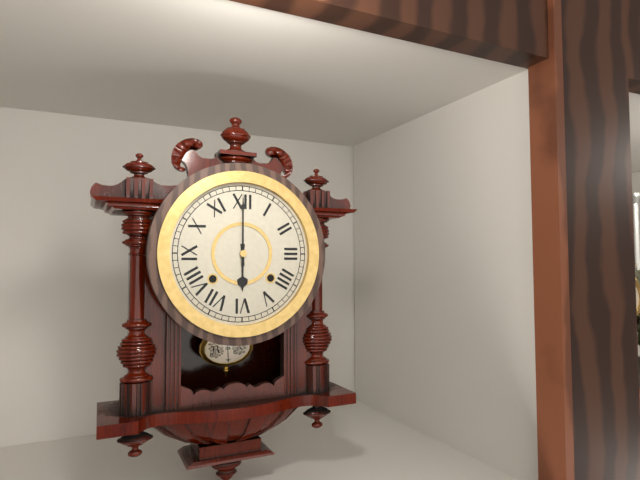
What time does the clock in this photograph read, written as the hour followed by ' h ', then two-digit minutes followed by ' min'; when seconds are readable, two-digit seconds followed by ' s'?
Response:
6 h 00 min
